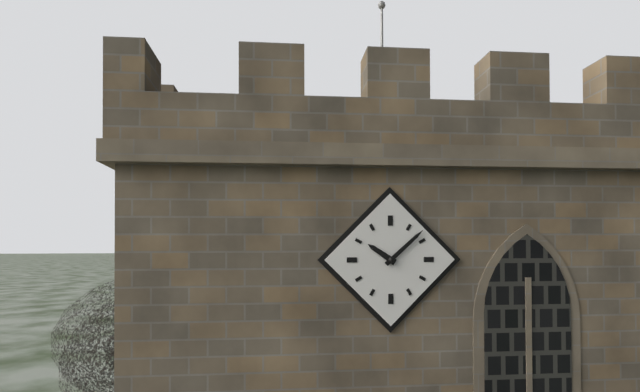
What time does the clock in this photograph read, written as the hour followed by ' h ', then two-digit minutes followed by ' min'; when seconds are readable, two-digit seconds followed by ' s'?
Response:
10 h 08 min
